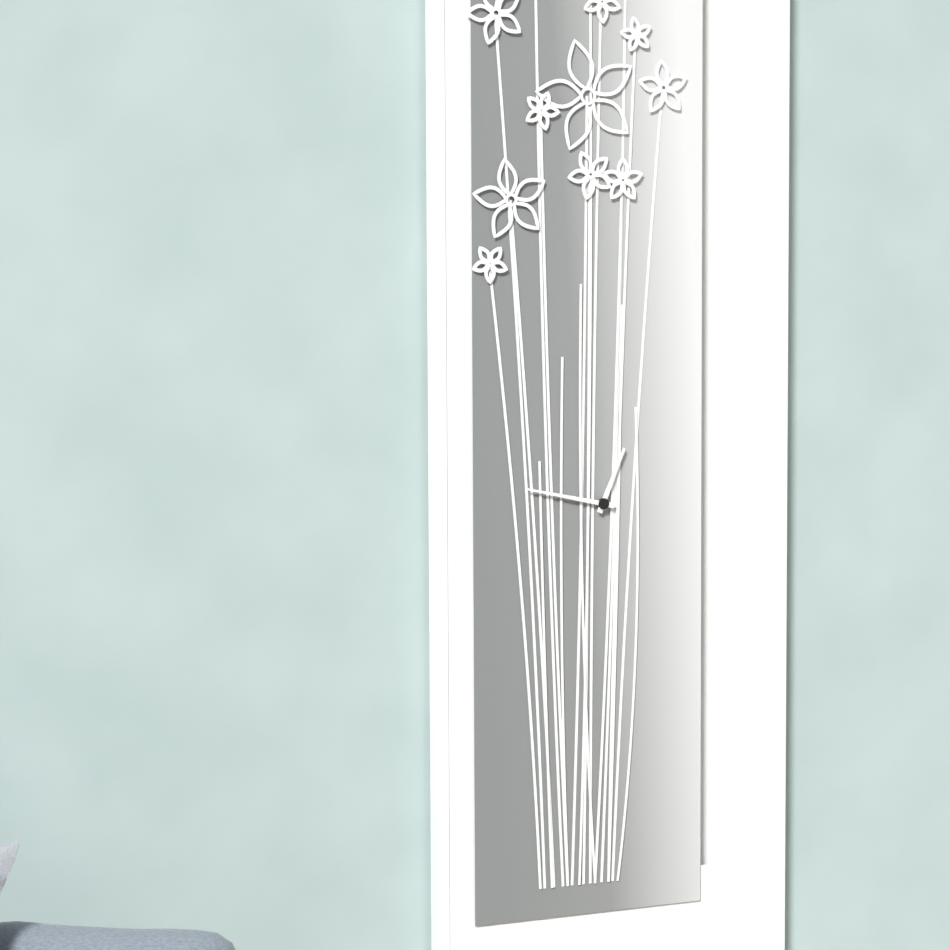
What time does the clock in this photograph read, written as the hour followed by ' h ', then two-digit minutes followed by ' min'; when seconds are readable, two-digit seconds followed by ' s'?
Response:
12 h 47 min
